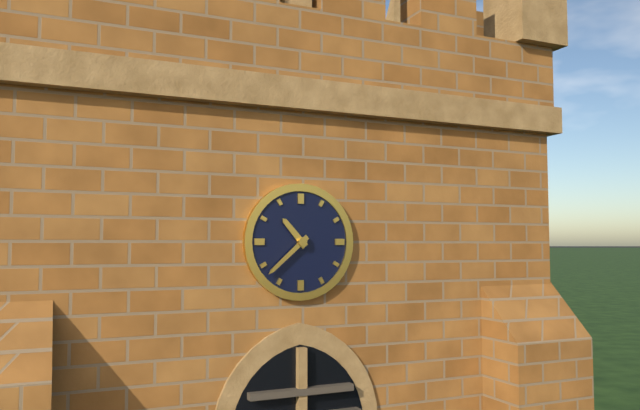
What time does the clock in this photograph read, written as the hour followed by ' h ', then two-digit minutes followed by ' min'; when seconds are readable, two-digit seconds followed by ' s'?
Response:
10 h 38 min
